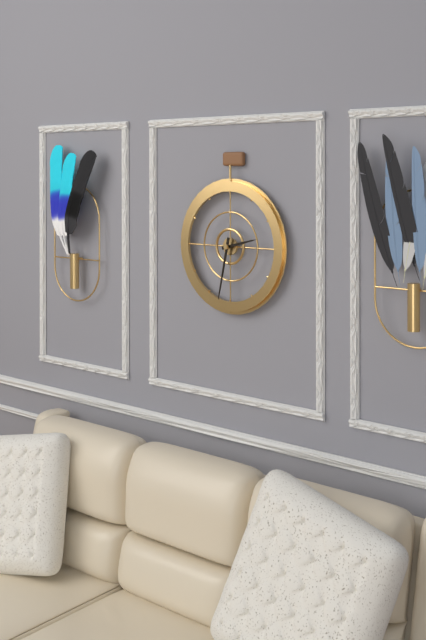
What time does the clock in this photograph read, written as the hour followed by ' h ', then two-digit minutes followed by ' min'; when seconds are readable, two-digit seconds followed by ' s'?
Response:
2 h 32 min
